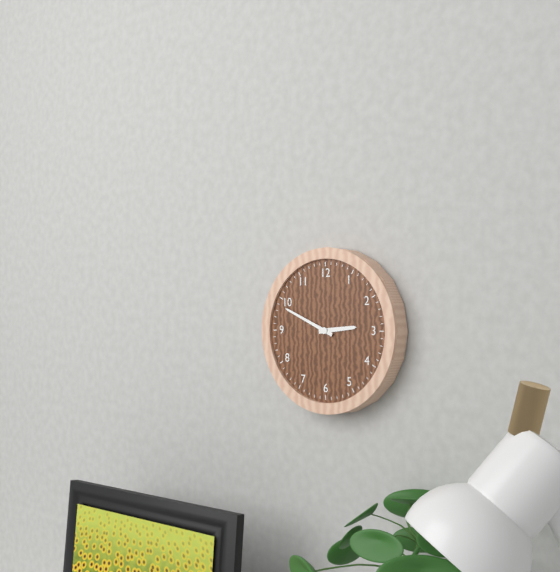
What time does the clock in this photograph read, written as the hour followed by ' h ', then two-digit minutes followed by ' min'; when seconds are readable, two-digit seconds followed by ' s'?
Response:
2 h 49 min
